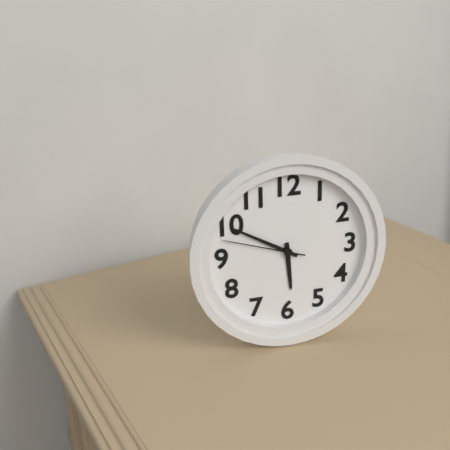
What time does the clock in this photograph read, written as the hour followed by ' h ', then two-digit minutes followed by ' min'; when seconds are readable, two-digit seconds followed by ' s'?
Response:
5 h 50 min 48 s
